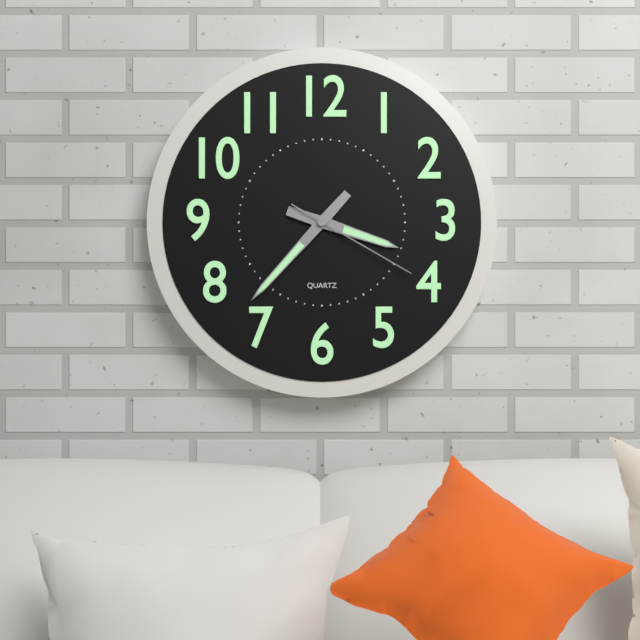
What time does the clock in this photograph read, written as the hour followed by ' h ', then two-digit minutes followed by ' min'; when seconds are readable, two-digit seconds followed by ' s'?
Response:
3 h 37 min 20 s
